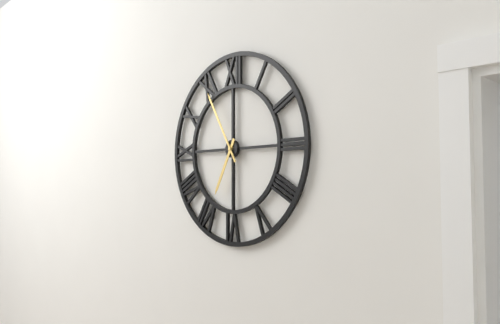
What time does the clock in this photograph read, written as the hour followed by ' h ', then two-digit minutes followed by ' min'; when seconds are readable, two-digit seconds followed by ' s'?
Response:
6 h 55 min
